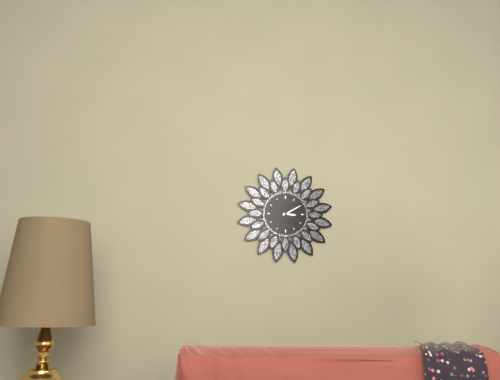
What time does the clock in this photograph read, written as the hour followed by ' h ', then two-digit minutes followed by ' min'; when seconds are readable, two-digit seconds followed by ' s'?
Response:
3 h 10 min
